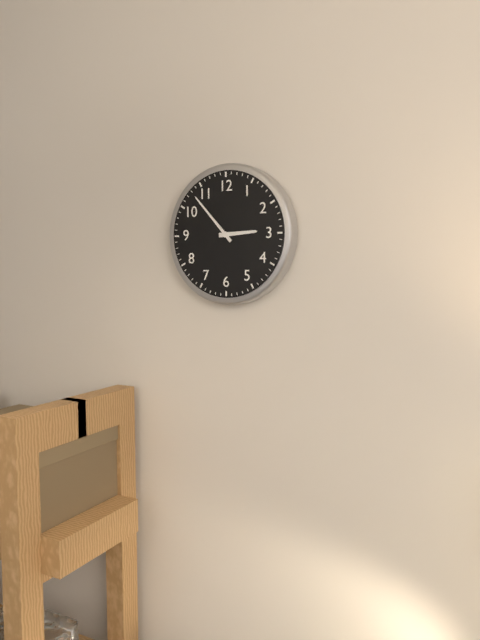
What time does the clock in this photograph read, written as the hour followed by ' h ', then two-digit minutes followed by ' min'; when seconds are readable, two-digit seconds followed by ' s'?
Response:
2 h 53 min
